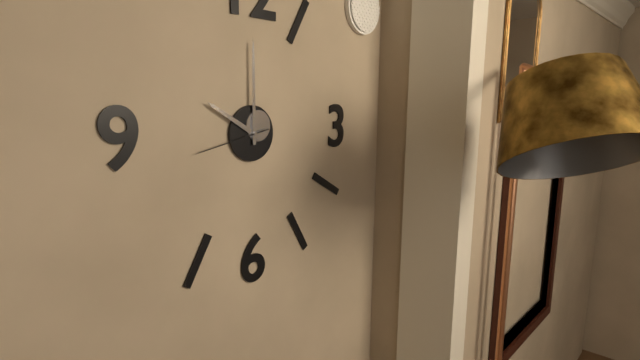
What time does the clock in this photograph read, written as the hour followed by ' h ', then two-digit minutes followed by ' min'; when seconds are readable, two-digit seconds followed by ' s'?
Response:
10 h 00 min 43 s
